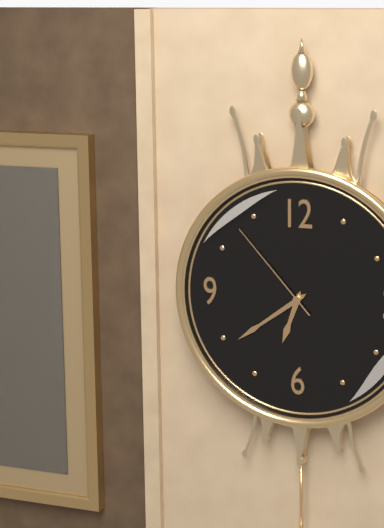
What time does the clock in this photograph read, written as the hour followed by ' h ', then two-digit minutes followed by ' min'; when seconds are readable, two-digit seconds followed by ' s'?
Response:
6 h 39 min 53 s
